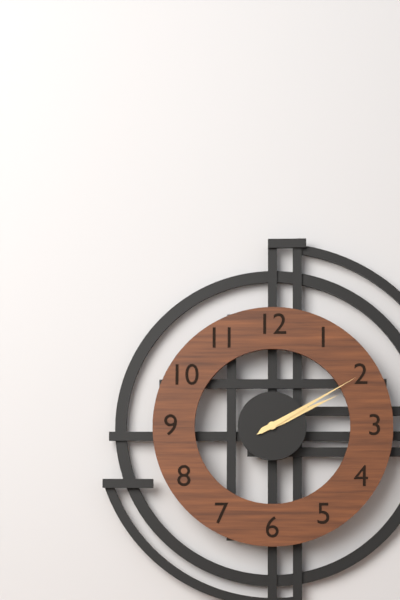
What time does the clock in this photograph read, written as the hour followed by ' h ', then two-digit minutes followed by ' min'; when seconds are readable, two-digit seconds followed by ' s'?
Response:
2 h 10 min
